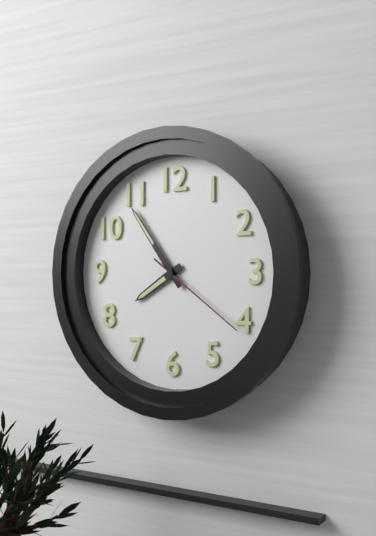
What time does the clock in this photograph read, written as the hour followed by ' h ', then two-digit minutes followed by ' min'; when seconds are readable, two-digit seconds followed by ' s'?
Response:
7 h 54 min 21 s
